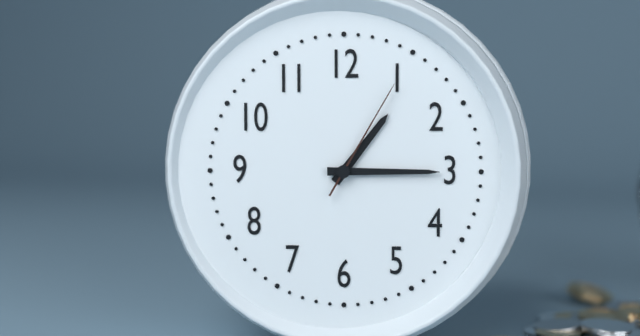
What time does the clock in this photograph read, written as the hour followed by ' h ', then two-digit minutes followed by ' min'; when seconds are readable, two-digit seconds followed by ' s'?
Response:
1 h 15 min 05 s
